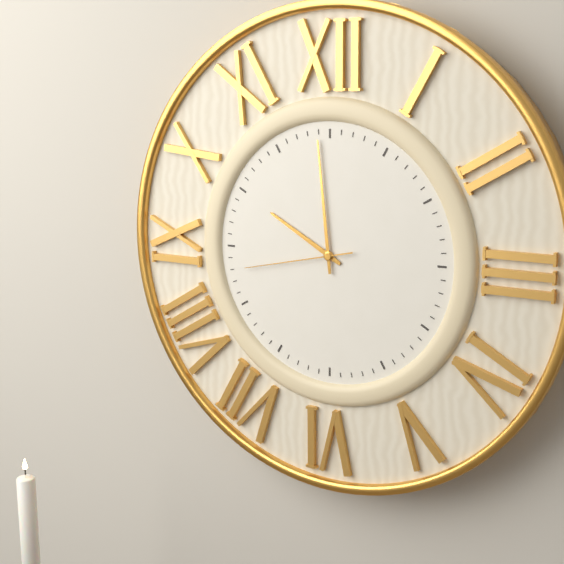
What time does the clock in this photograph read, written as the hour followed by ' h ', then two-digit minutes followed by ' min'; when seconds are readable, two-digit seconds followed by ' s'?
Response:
9 h 59 min 43 s
